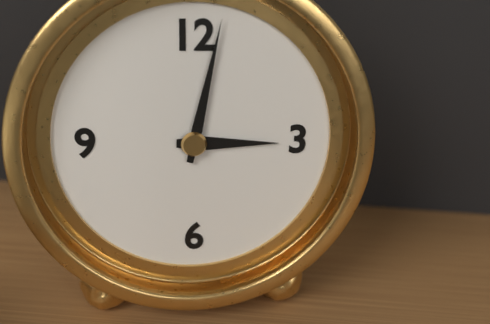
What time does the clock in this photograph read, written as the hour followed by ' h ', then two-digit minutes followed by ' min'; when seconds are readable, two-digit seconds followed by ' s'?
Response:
3 h 02 min
